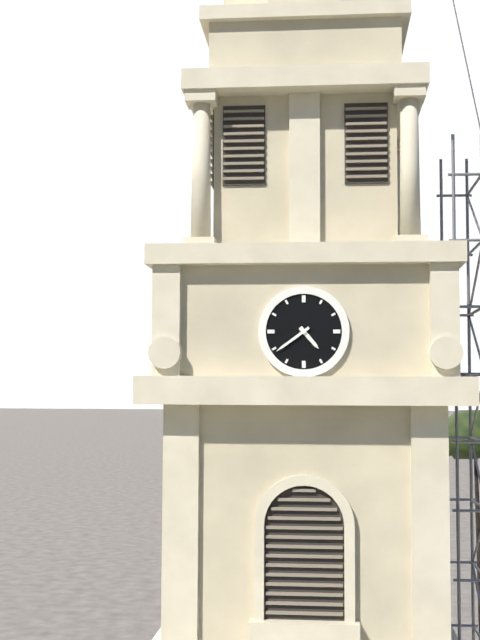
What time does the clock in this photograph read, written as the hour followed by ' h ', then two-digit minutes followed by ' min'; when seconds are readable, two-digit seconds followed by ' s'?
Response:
4 h 39 min
